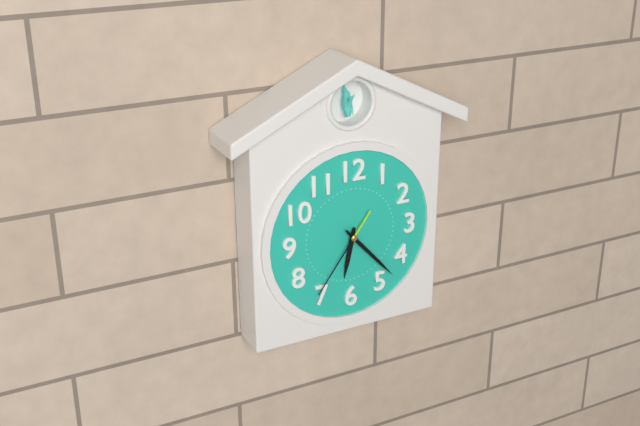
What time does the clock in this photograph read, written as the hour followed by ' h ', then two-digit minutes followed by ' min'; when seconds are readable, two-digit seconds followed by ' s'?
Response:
6 h 23 min 36 s
